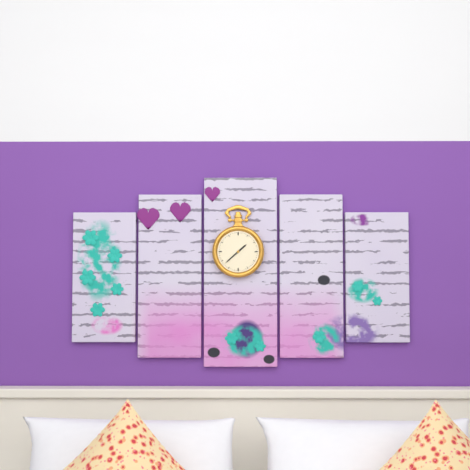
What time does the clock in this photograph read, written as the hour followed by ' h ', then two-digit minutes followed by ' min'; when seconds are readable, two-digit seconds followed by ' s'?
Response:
1 h 38 min
